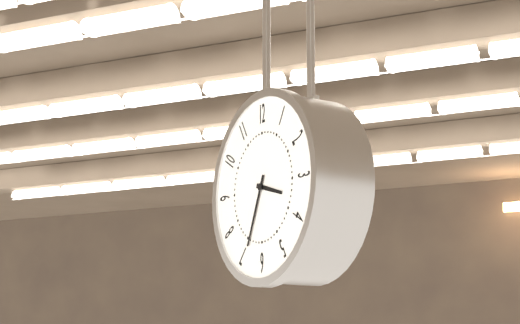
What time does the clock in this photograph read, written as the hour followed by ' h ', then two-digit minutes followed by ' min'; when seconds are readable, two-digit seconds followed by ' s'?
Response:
3 h 34 min
